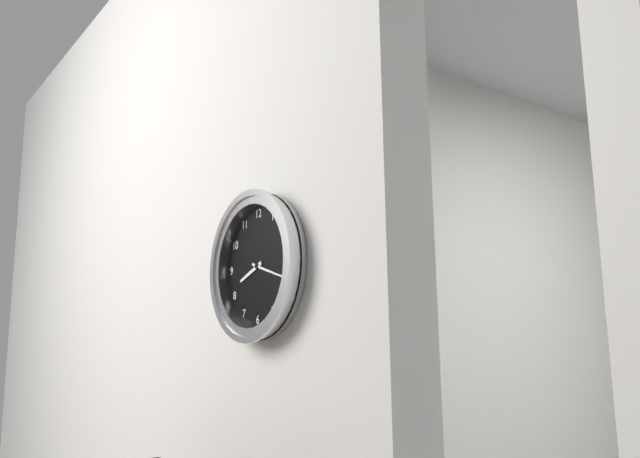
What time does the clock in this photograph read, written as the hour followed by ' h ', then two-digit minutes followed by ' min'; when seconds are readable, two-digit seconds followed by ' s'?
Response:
8 h 18 min
